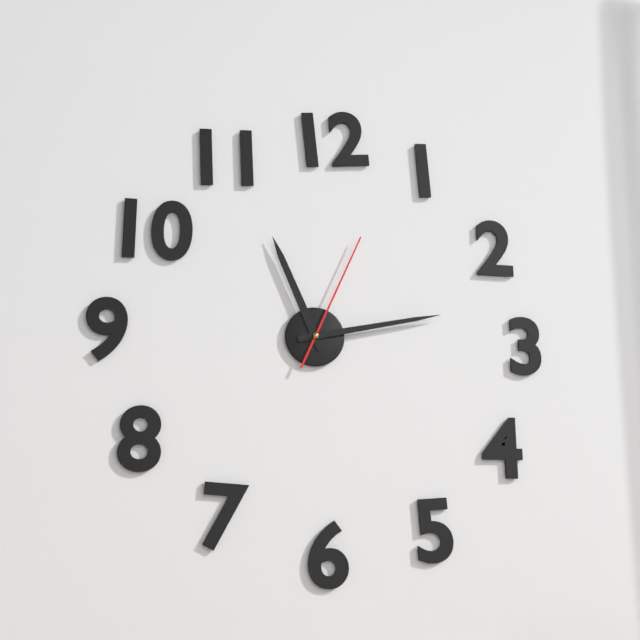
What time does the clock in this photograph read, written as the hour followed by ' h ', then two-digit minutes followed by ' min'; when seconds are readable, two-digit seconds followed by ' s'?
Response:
11 h 13 min 04 s
